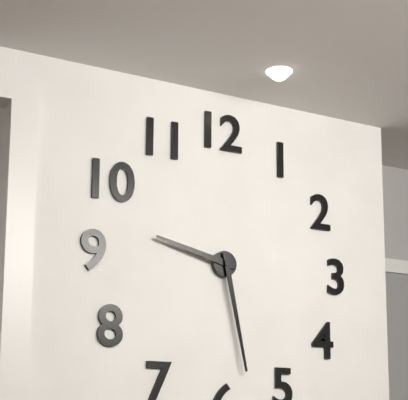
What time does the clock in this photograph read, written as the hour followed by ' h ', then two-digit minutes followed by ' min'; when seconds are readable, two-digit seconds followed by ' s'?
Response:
9 h 28 min
